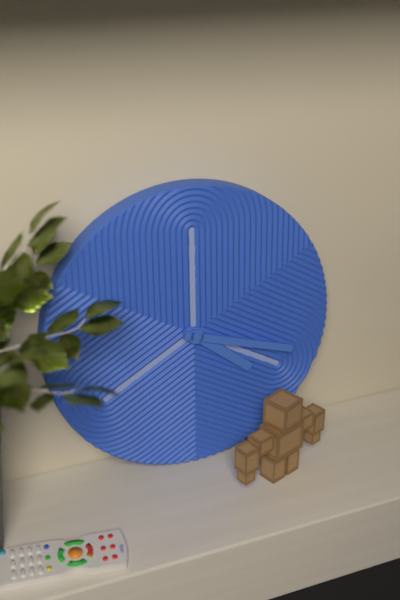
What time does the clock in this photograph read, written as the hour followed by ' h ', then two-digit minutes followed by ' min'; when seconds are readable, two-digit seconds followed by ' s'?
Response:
4 h 18 min
